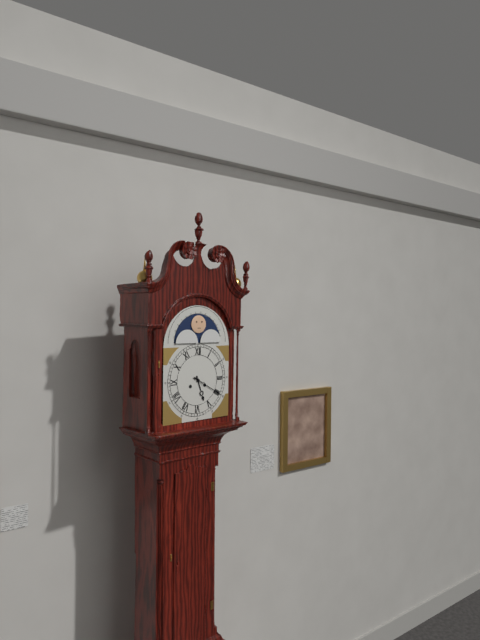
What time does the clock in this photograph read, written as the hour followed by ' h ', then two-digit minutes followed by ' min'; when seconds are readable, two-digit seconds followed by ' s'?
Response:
5 h 20 min
